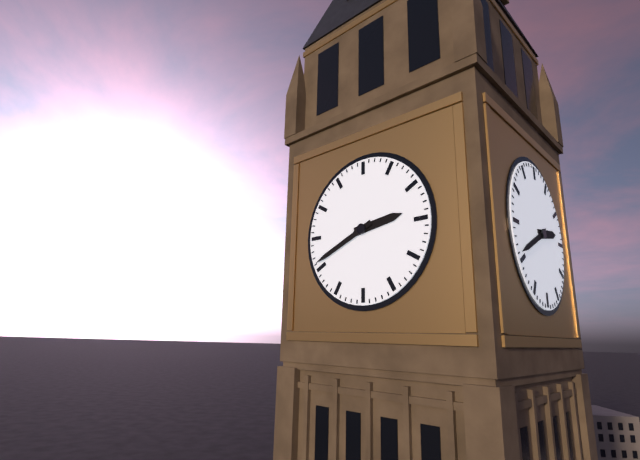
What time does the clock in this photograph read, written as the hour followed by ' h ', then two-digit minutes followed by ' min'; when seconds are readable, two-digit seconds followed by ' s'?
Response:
2 h 41 min
